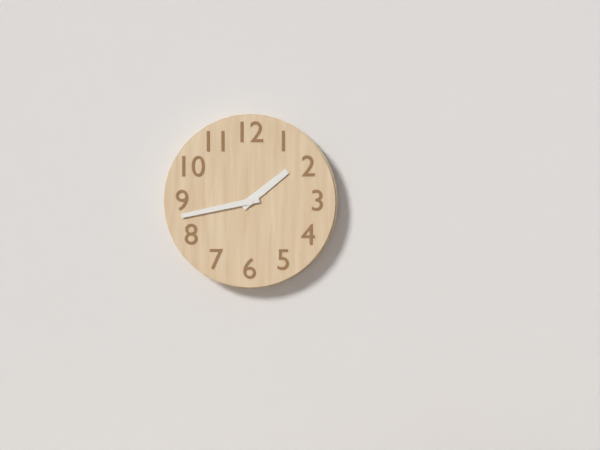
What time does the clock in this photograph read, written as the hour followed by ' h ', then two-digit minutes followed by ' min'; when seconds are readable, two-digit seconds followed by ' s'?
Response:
1 h 43 min
